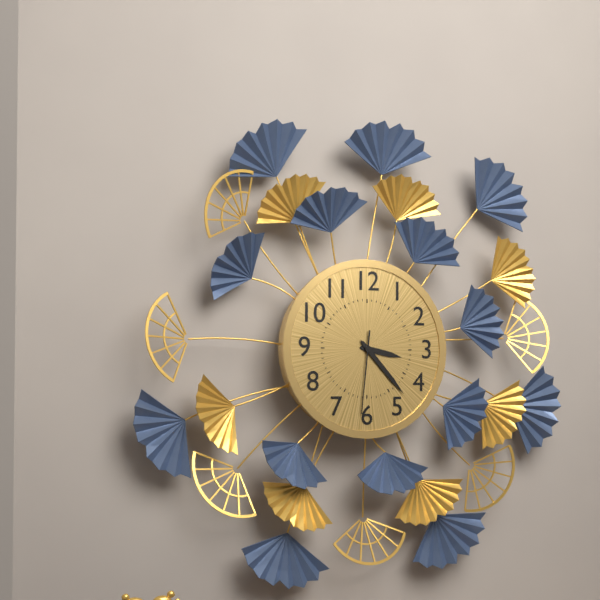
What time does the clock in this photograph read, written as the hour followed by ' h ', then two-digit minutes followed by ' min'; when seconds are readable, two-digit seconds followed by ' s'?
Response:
3 h 23 min 31 s
